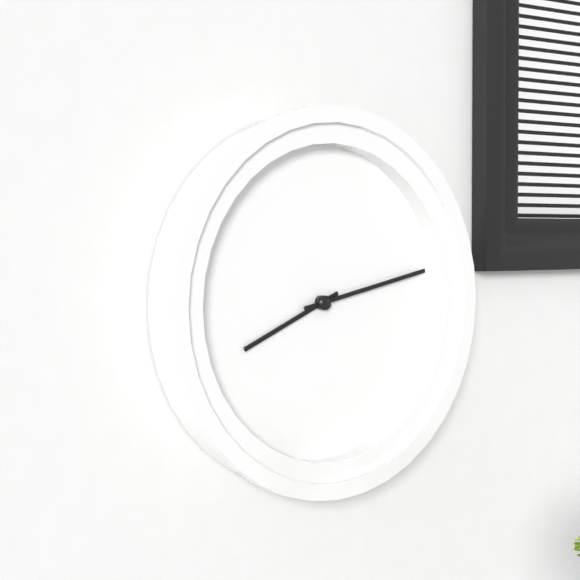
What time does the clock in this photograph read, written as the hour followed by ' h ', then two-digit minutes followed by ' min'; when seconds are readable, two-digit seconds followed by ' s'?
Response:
8 h 13 min
